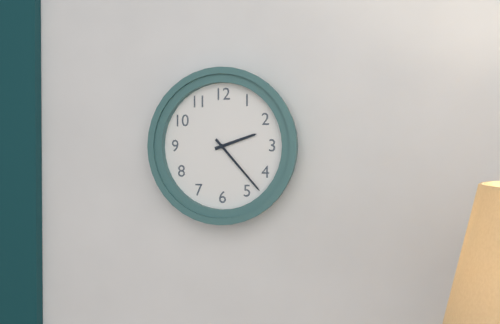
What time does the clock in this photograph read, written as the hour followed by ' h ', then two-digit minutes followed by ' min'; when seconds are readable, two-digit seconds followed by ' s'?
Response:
2 h 23 min
